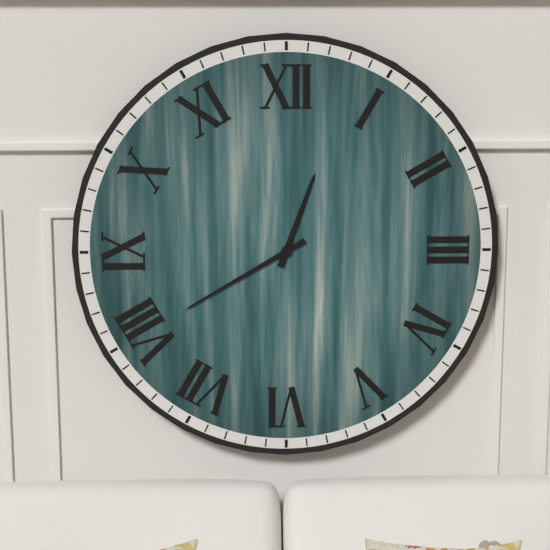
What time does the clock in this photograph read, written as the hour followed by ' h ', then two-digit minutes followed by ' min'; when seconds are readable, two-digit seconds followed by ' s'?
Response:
12 h 40 min
